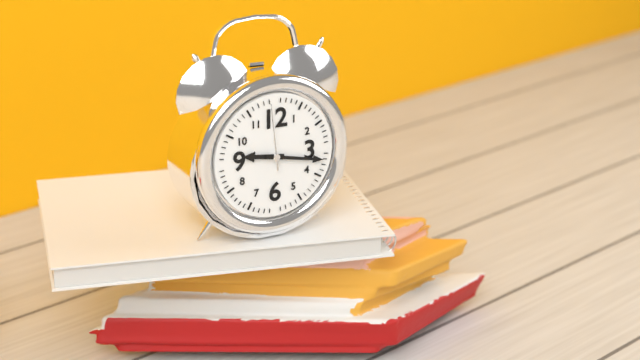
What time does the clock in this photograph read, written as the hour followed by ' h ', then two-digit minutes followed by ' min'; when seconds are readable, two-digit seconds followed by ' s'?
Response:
9 h 17 min 59 s
